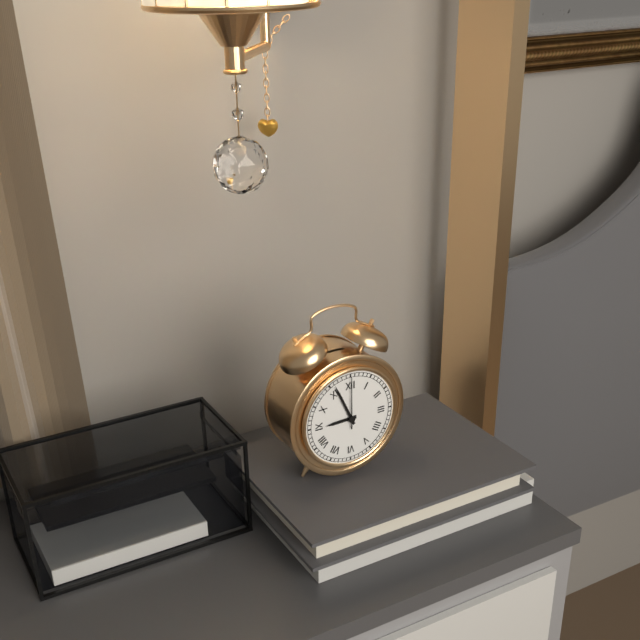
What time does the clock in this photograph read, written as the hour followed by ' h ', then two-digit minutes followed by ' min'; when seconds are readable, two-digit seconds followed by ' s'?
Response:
8 h 56 min 00 s
